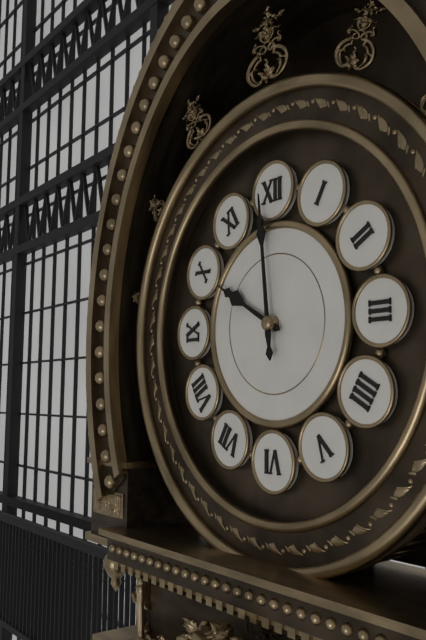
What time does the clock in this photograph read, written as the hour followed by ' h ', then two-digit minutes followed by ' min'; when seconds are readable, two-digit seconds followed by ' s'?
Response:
9 h 59 min
